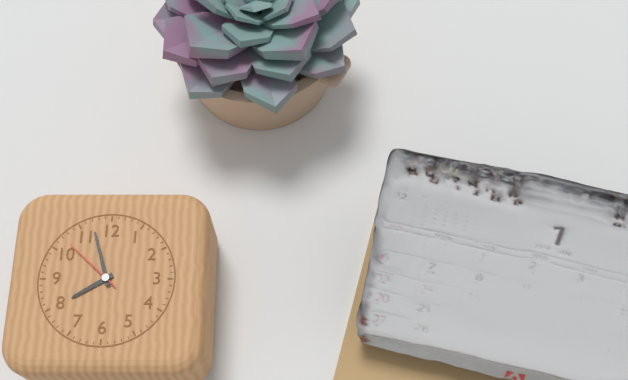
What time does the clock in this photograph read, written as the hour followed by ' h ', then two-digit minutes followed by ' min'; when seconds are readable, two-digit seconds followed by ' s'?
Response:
7 h 57 min 52 s
